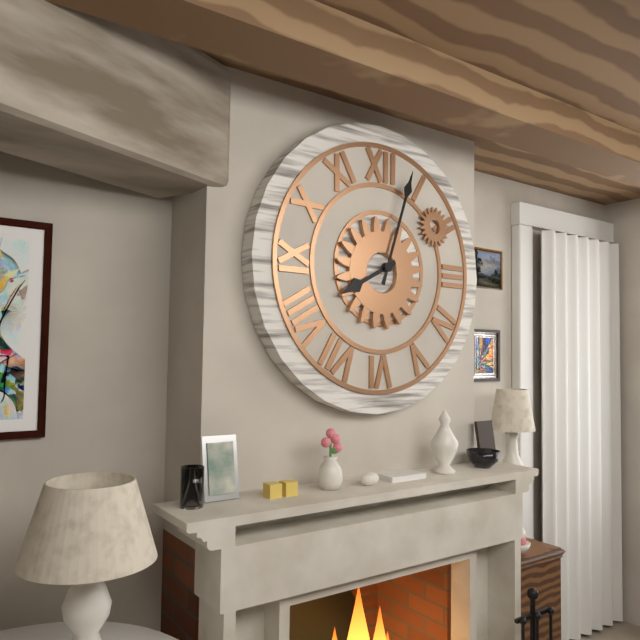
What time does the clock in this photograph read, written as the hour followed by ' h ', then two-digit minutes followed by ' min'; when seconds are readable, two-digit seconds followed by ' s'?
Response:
8 h 03 min
